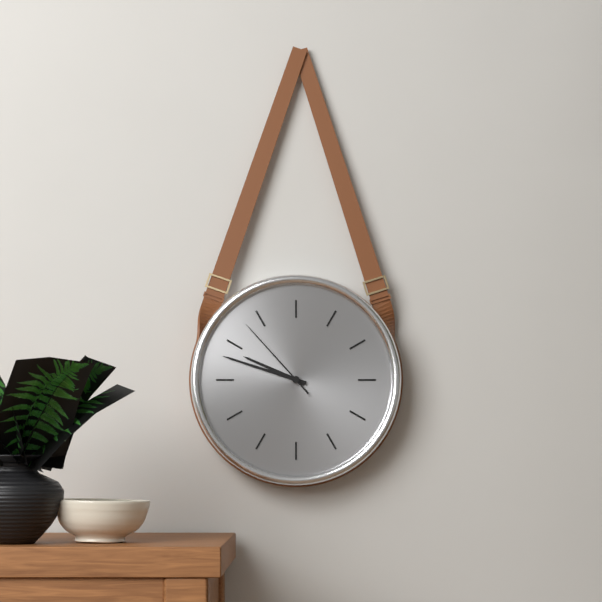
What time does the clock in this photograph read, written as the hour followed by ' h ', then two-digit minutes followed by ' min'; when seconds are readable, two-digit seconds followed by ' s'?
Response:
9 h 48 min 53 s
